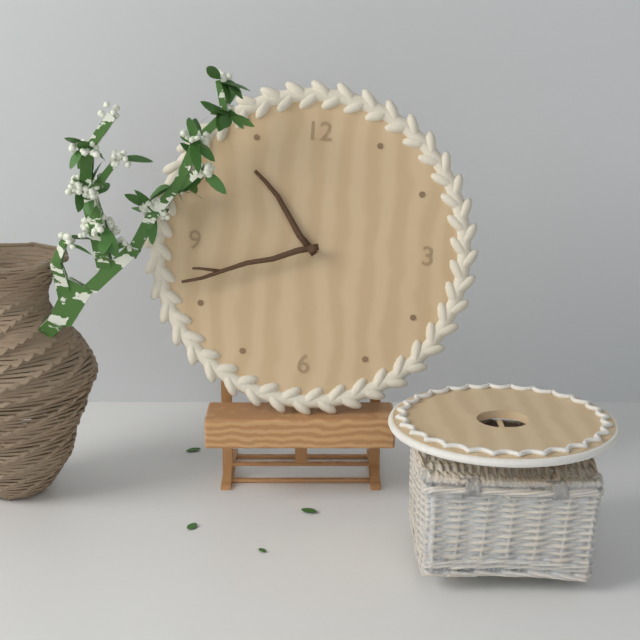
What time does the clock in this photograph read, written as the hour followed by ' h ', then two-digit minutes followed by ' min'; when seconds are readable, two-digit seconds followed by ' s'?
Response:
10 h 42 min
